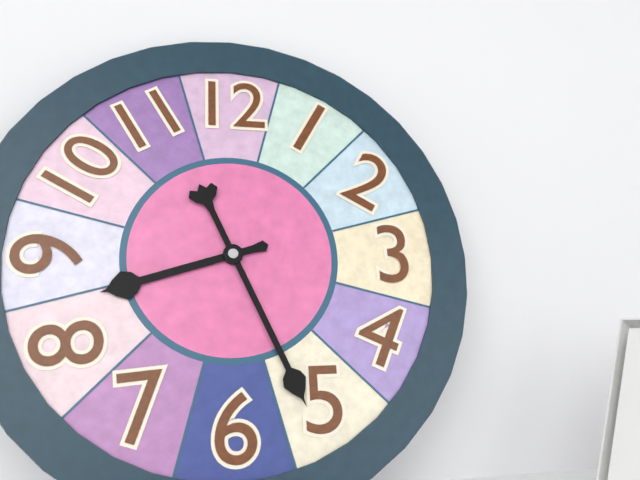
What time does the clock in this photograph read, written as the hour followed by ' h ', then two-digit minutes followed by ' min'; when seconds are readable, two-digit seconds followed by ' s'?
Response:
8 h 26 min
